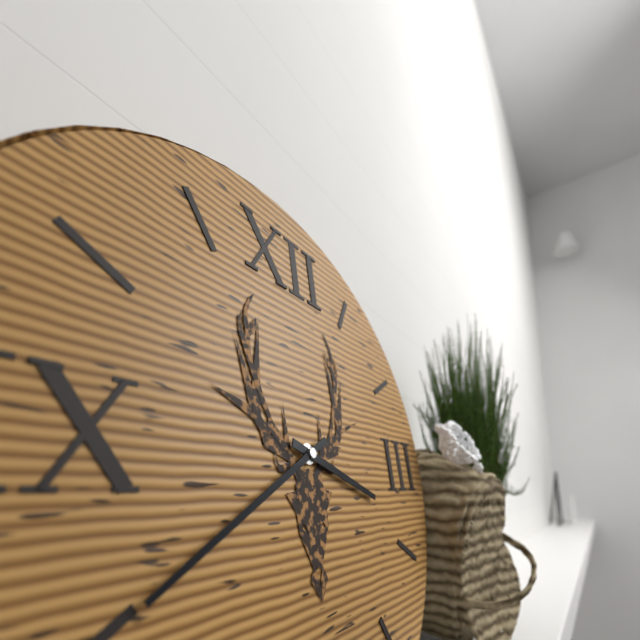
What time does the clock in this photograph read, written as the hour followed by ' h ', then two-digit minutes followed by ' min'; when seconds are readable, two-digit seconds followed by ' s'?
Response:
3 h 40 min
